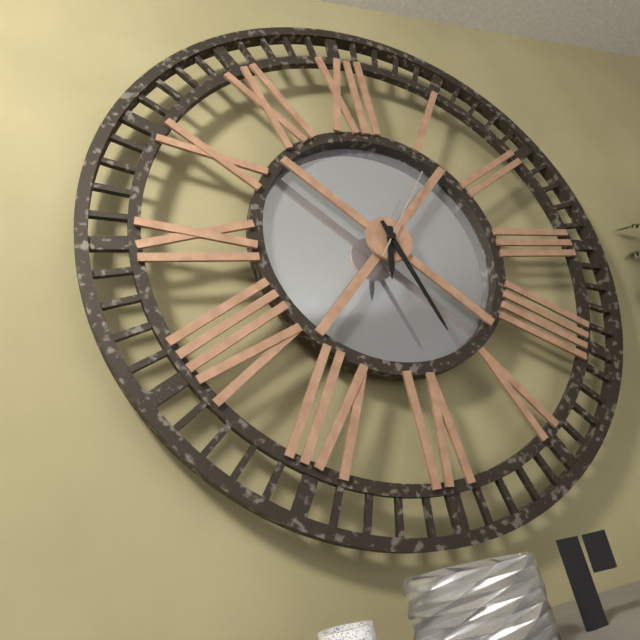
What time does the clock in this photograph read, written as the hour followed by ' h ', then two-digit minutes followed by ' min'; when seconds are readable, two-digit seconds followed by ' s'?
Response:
6 h 27 min 06 s
